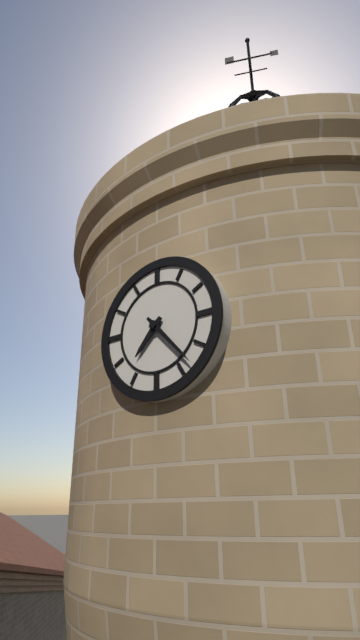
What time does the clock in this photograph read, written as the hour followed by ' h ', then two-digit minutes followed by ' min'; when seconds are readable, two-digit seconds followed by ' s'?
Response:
7 h 23 min
